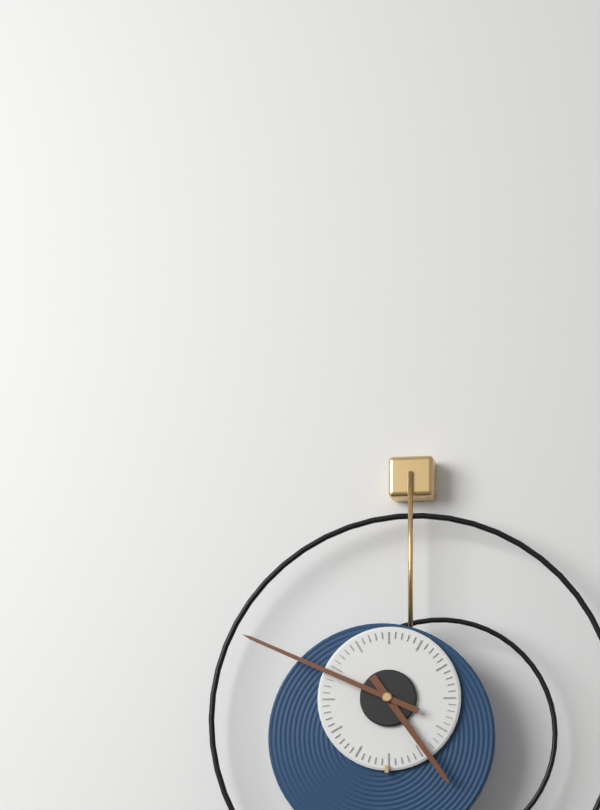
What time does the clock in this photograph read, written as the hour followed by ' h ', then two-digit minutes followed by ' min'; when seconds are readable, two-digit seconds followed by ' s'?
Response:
4 h 49 min
